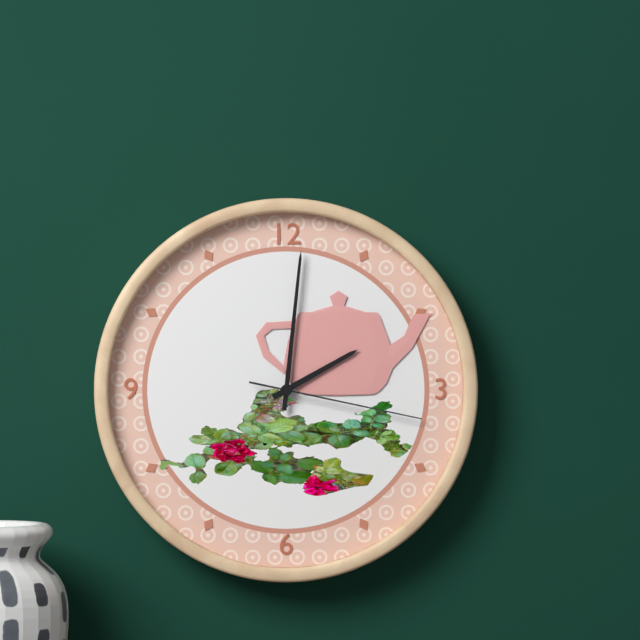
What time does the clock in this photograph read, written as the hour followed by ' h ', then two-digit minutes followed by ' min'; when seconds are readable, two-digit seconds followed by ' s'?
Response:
2 h 01 min 17 s
